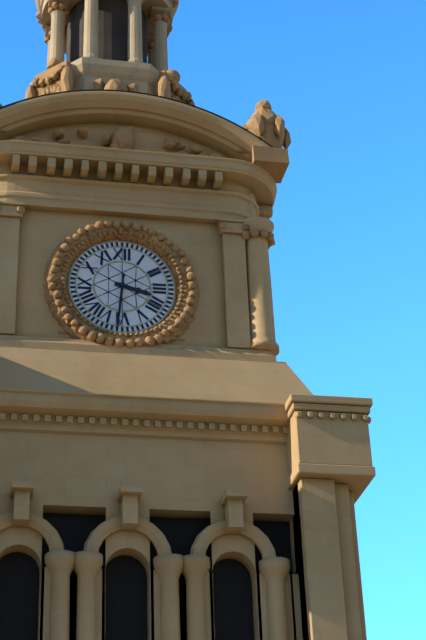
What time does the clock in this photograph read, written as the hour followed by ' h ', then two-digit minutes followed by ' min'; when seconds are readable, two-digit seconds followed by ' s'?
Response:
3 h 31 min
